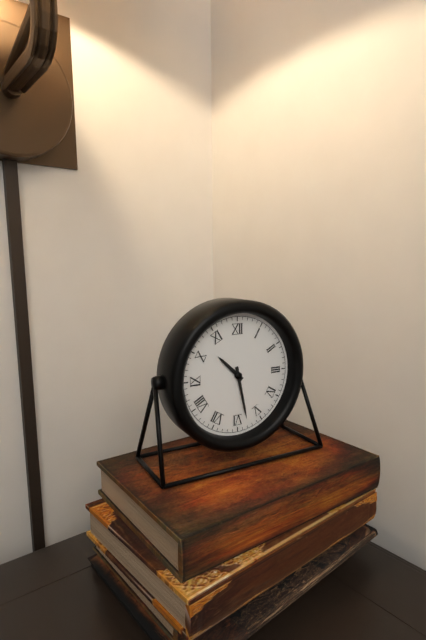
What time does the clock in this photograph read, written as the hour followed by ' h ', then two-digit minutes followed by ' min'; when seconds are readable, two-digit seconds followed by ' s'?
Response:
10 h 28 min
